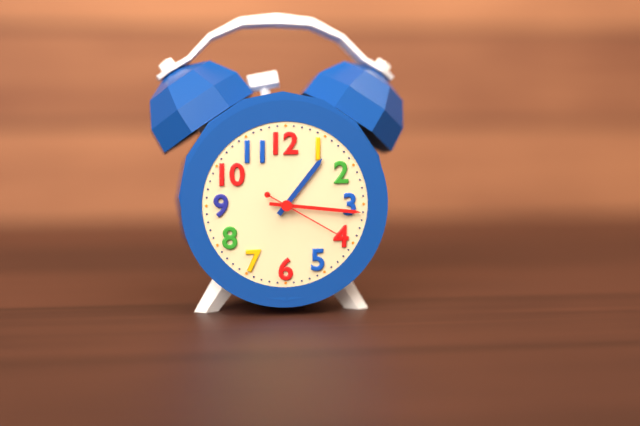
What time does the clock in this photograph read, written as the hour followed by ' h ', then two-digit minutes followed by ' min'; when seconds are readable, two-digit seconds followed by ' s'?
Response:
1 h 16 min 20 s
